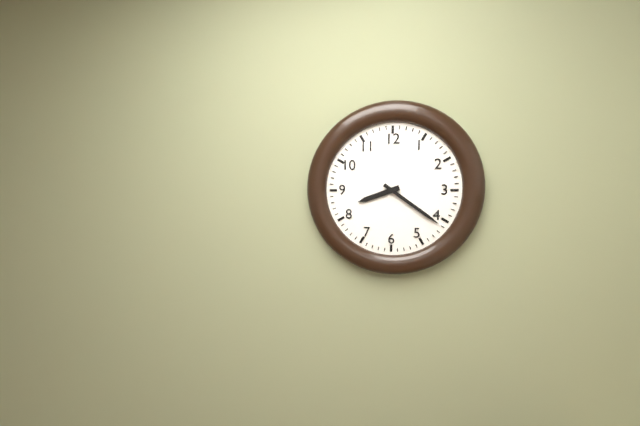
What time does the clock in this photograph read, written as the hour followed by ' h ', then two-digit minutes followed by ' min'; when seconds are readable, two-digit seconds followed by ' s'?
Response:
8 h 21 min
